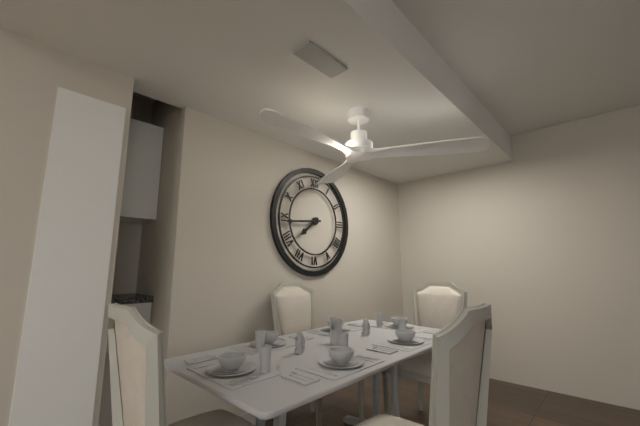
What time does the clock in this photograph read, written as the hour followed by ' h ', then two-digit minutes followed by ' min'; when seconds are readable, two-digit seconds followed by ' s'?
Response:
7 h 44 min
